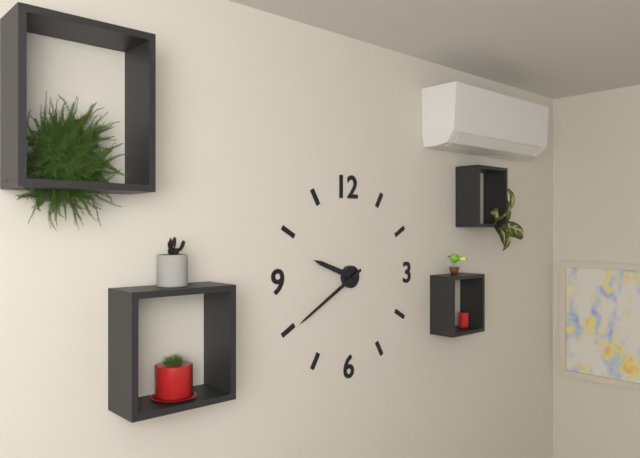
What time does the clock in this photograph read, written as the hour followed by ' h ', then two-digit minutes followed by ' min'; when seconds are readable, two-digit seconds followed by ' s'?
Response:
9 h 40 min
